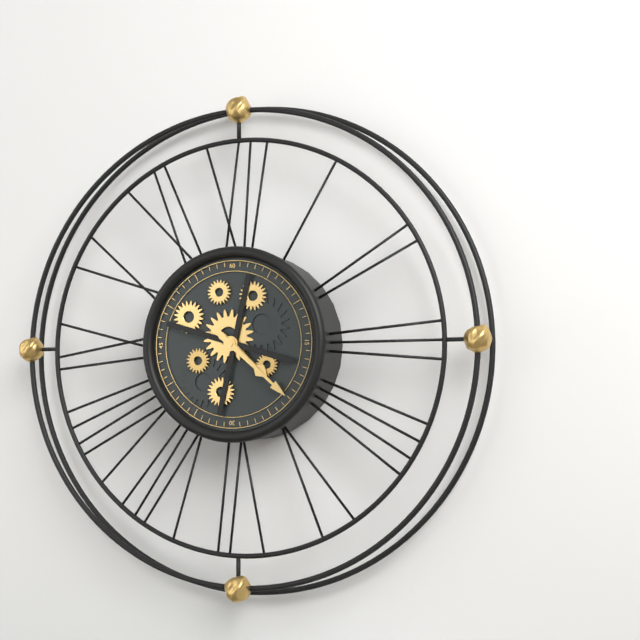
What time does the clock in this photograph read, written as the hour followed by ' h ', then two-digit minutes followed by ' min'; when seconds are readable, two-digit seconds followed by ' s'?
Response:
4 h 22 min
